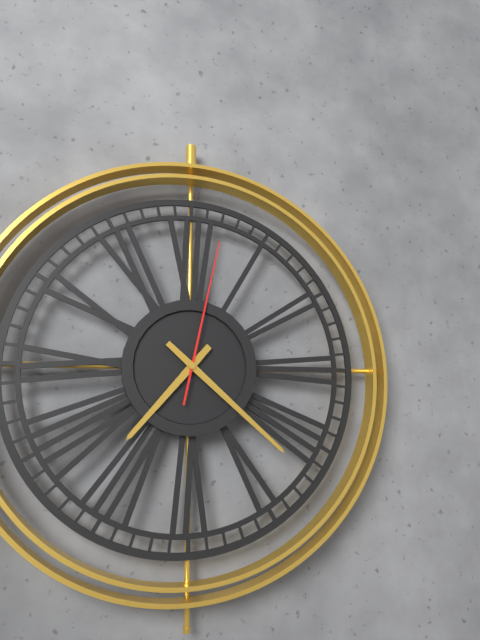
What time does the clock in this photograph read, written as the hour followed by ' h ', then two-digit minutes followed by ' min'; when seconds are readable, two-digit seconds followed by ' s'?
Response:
7 h 22 min 02 s
